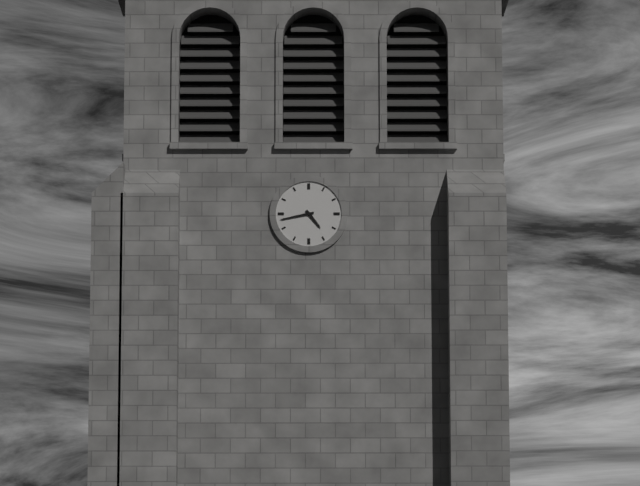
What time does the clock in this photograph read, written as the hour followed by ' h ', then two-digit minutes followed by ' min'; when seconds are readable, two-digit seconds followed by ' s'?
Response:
4 h 43 min
